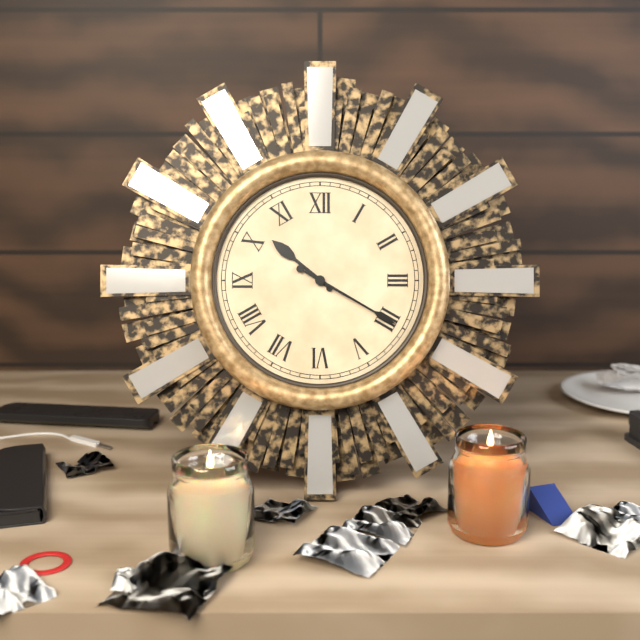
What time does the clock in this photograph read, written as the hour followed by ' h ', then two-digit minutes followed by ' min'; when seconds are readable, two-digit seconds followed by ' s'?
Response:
10 h 20 min
